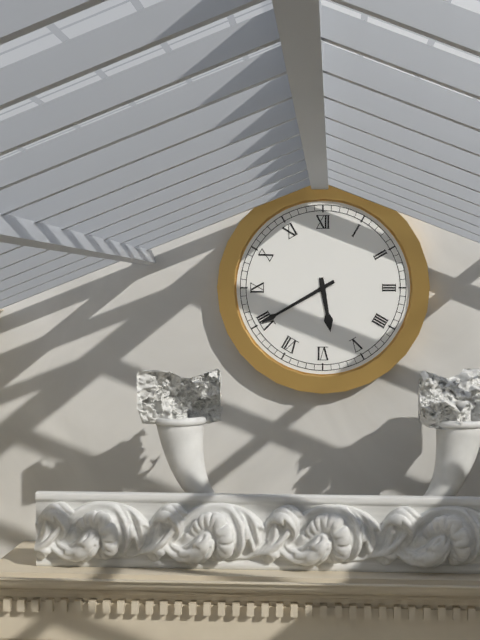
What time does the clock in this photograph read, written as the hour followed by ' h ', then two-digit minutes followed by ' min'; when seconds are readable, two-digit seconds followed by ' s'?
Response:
5 h 40 min
